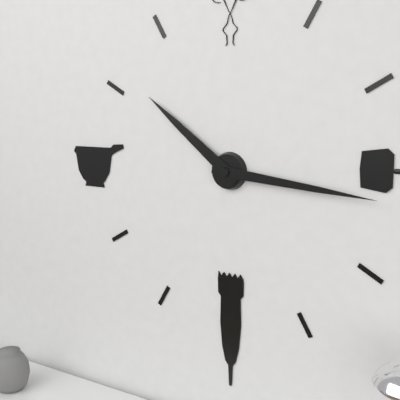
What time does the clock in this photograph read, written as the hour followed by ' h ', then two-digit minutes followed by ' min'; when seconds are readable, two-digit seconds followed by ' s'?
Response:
10 h 16 min
